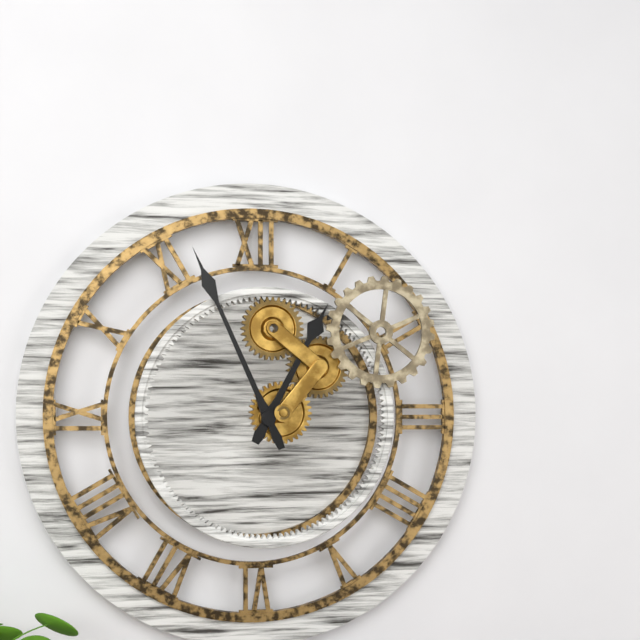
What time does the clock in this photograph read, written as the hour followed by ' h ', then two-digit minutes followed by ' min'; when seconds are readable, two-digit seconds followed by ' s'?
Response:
12 h 56 min
